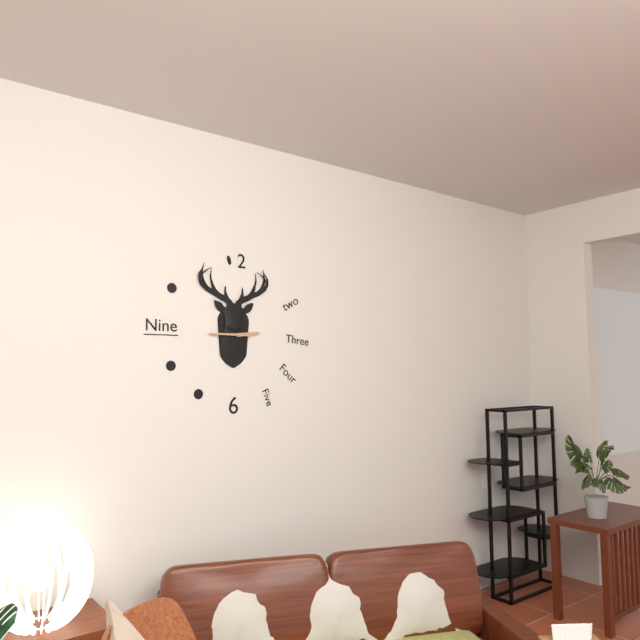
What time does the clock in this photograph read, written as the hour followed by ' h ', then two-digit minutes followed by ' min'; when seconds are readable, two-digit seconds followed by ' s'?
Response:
2 h 45 min
